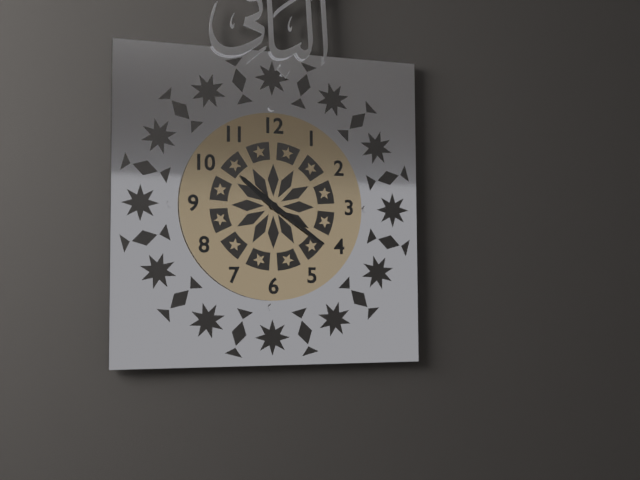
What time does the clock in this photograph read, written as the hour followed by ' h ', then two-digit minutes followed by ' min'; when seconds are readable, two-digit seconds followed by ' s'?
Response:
10 h 21 min
